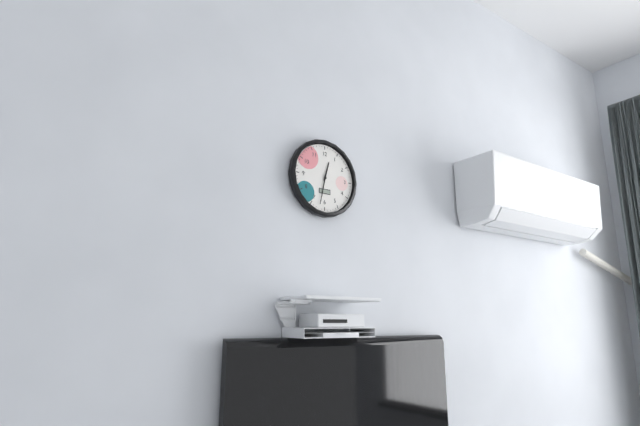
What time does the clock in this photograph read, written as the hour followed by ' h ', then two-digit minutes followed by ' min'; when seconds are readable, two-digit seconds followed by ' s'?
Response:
12 h 32 min
